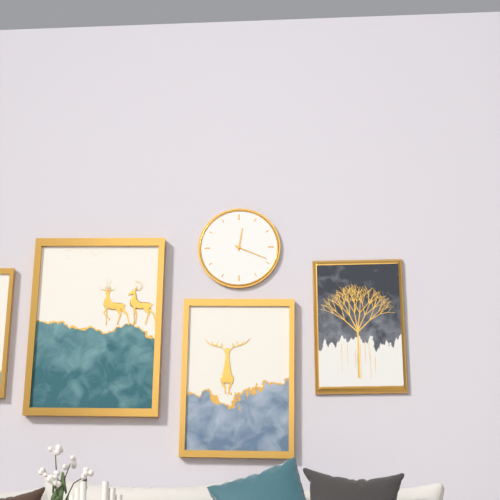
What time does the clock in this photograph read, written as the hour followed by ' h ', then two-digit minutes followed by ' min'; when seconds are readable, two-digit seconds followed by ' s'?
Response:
12 h 19 min
